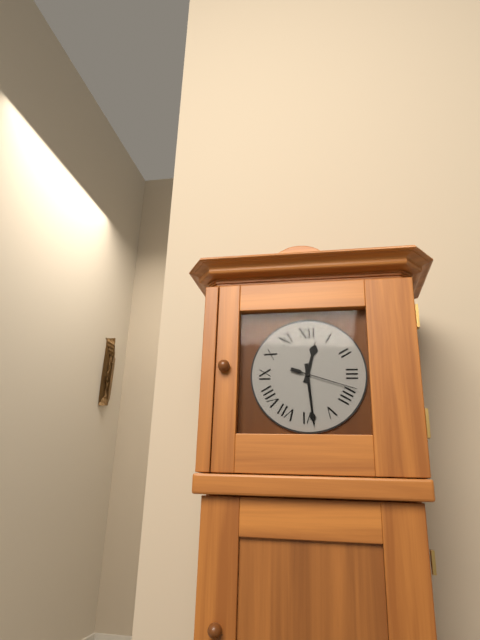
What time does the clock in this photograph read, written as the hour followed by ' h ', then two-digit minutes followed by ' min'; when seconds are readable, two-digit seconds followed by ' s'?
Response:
12 h 29 min 18 s
